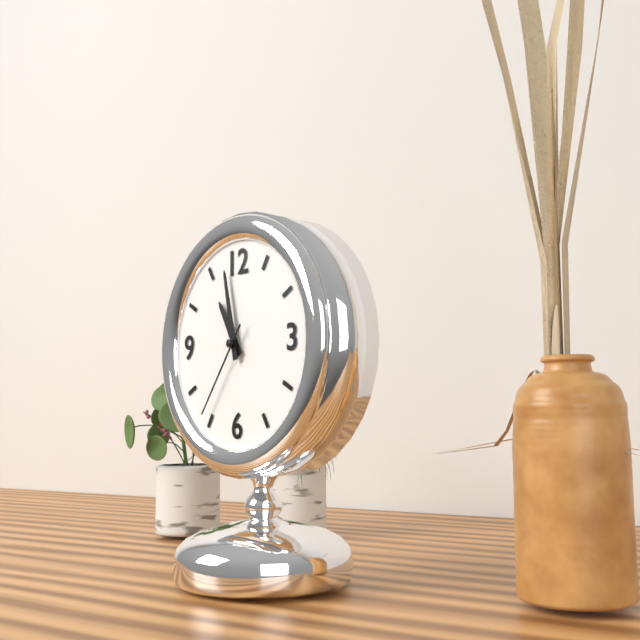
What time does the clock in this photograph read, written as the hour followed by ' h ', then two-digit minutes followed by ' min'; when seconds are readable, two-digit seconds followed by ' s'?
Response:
10 h 58 min 36 s
